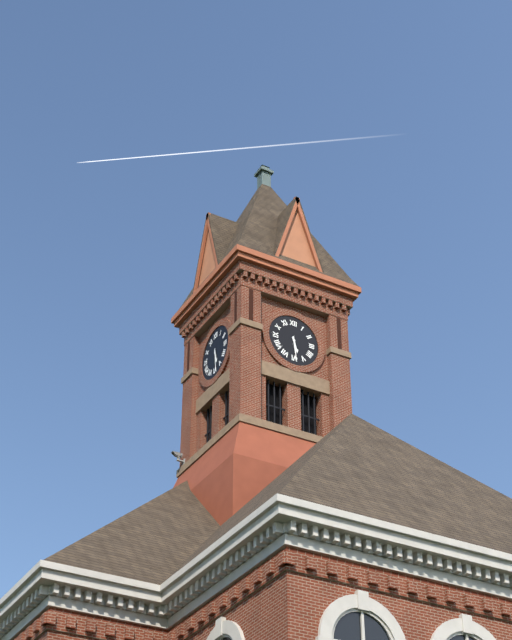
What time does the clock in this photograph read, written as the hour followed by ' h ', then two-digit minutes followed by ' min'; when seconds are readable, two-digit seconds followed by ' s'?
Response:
5 h 29 min
